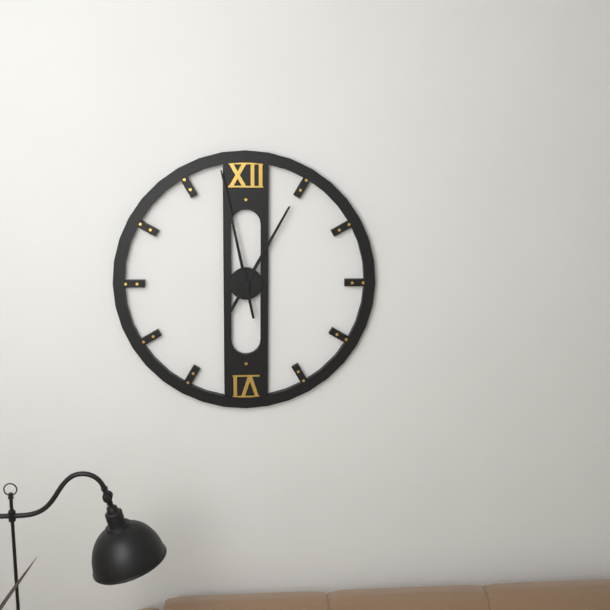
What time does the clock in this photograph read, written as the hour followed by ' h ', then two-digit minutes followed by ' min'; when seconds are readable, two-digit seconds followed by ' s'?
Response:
12 h 58 min
